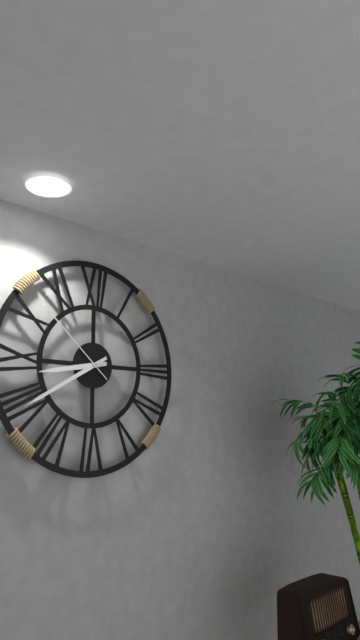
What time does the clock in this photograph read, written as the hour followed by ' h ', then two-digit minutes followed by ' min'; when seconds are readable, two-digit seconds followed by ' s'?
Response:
8 h 40 min 52 s
